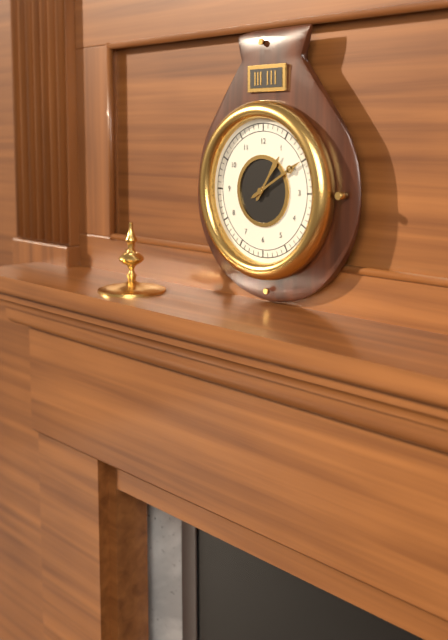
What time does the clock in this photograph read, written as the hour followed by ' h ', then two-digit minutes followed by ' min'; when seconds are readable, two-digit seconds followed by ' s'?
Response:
1 h 10 min
